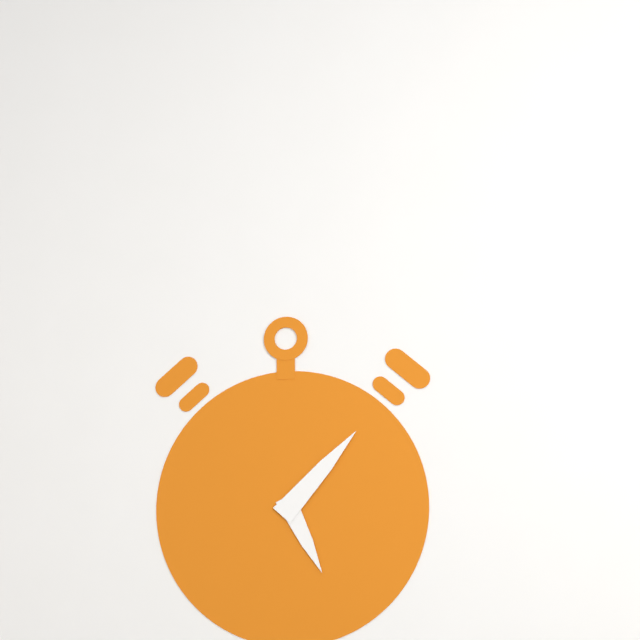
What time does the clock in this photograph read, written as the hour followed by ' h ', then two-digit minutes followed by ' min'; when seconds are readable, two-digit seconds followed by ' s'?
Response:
5 h 07 min
